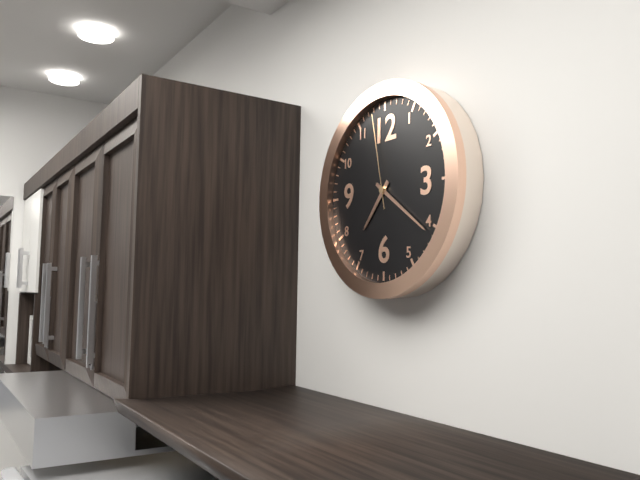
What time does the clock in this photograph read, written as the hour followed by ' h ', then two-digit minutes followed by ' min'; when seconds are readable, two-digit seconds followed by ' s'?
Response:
7 h 21 min 58 s
